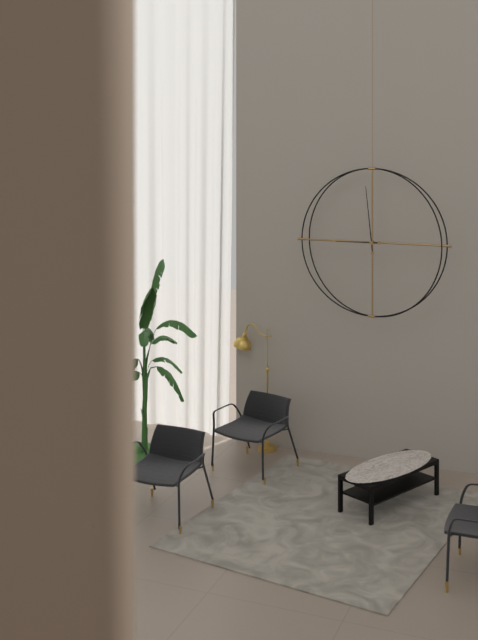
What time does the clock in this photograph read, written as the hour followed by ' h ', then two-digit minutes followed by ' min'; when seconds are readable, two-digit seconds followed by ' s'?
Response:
8 h 59 min
